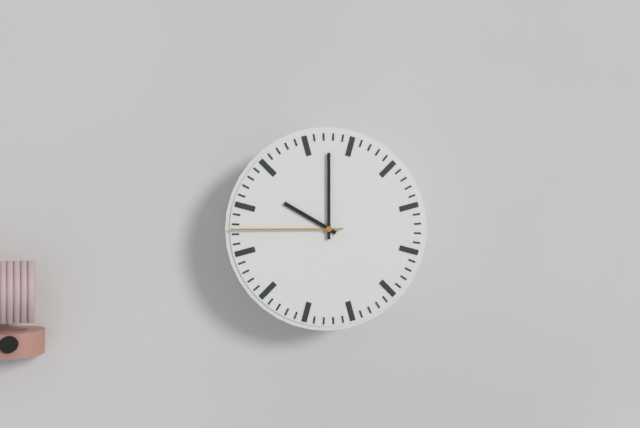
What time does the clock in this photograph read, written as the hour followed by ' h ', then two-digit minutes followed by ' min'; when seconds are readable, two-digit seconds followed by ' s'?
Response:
10 h 00 min 45 s
